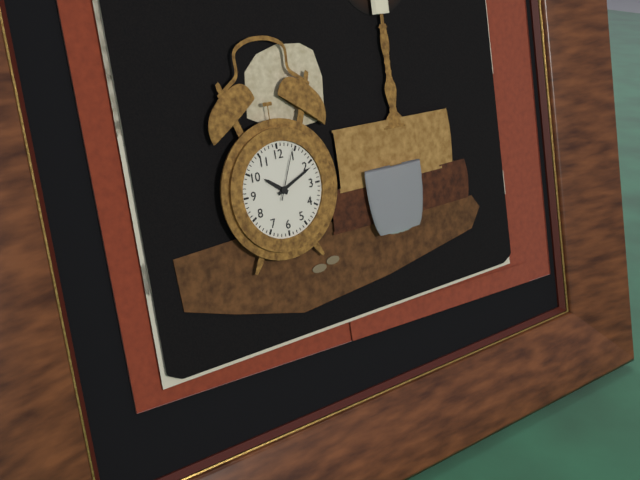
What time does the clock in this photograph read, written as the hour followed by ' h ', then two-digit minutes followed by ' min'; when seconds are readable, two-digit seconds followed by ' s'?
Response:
10 h 11 min 04 s
